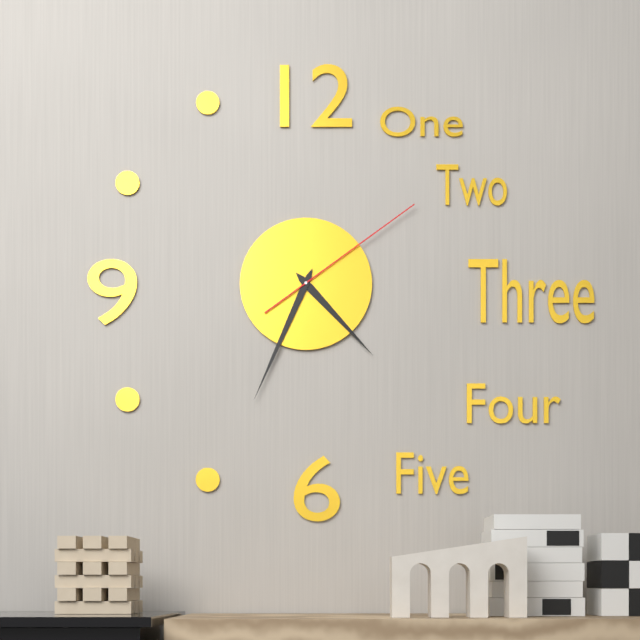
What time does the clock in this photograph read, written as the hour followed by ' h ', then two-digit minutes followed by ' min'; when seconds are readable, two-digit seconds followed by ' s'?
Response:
4 h 34 min 09 s
